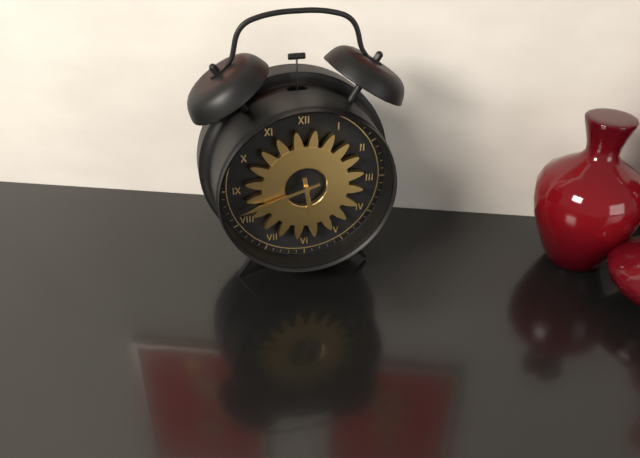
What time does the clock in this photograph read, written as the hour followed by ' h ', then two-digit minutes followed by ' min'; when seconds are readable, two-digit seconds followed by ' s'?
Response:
5 h 42 min
